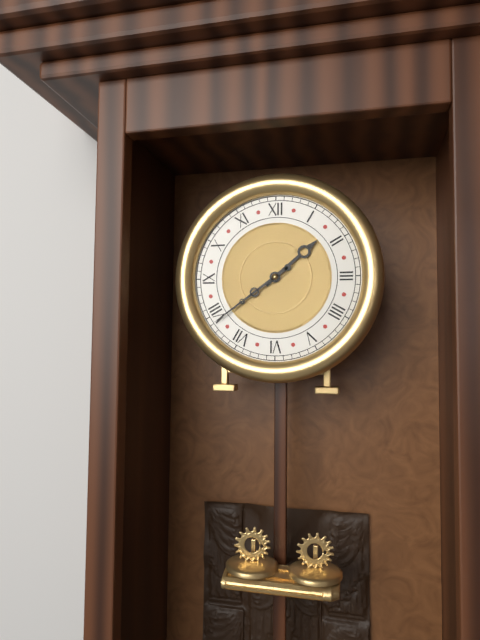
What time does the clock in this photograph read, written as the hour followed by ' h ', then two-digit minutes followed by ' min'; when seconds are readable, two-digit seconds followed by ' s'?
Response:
1 h 39 min
